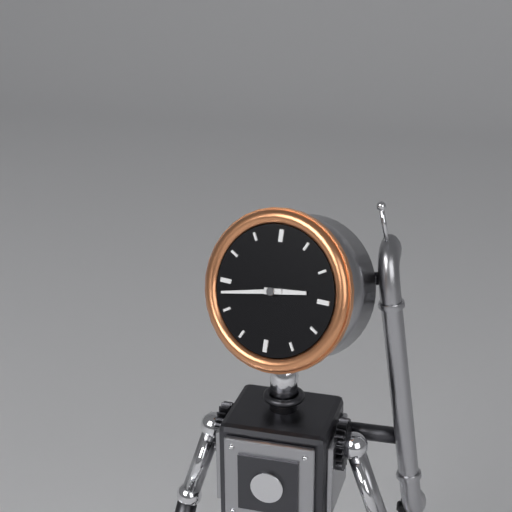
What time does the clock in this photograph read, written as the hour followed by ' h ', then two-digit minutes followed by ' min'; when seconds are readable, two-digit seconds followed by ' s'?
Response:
2 h 43 min
